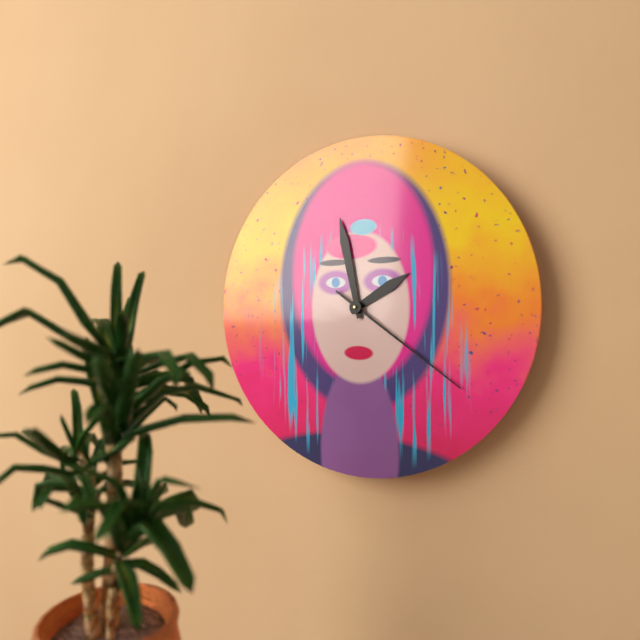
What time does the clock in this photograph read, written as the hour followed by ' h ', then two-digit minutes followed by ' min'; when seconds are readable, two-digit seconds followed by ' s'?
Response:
1 h 58 min 21 s
